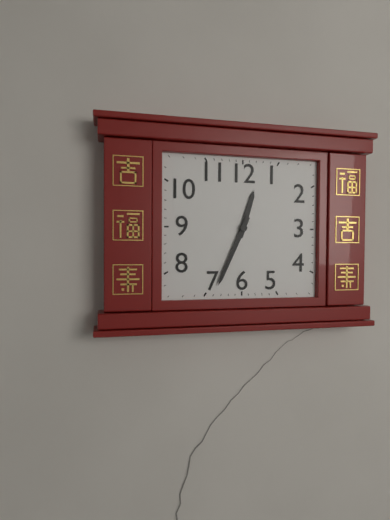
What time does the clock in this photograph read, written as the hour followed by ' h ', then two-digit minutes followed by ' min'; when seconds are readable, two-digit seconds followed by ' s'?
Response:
12 h 34 min
